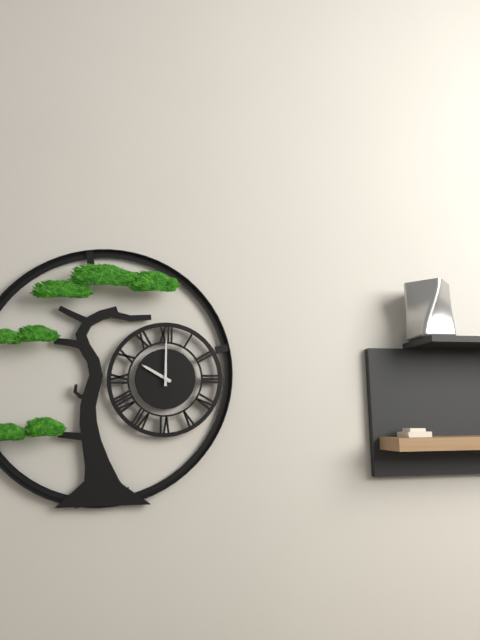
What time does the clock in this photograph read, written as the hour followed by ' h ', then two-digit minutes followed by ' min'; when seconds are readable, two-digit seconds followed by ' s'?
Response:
10 h 00 min
